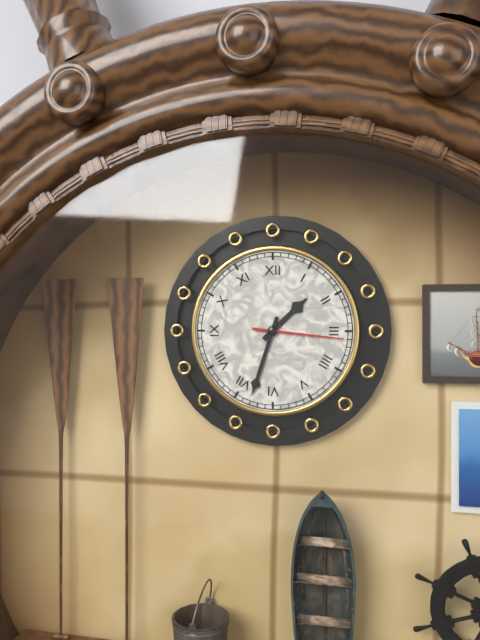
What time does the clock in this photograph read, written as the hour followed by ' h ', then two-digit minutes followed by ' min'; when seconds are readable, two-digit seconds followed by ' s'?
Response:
1 h 33 min 16 s
